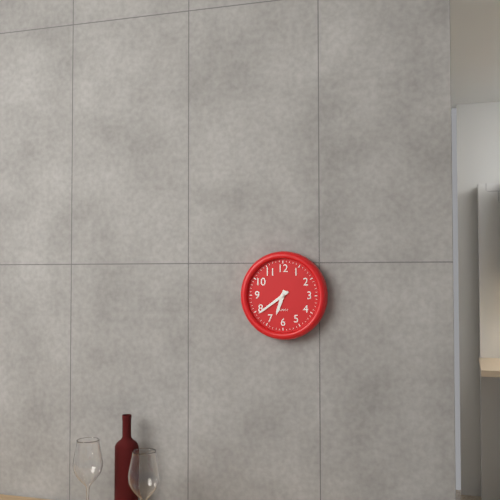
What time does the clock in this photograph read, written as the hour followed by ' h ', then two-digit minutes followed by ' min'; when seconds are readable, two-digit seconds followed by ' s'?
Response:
6 h 39 min
